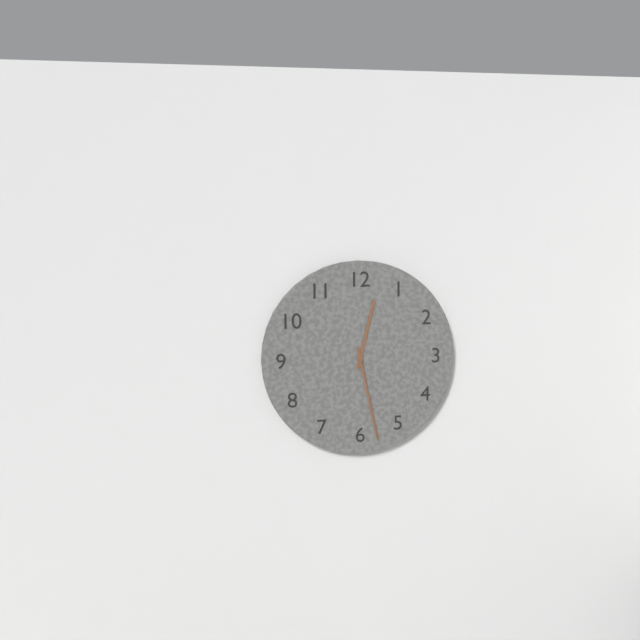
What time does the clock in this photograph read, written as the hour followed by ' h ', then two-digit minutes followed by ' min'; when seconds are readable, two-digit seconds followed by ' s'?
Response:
12 h 28 min
